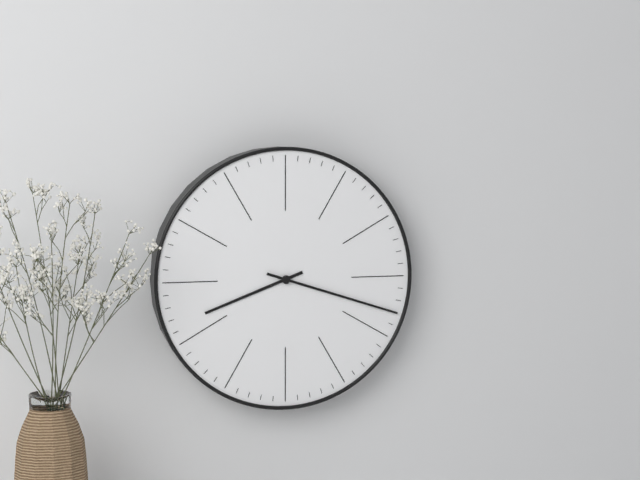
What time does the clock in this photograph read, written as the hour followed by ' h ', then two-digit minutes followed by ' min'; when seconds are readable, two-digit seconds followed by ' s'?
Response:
8 h 18 min
